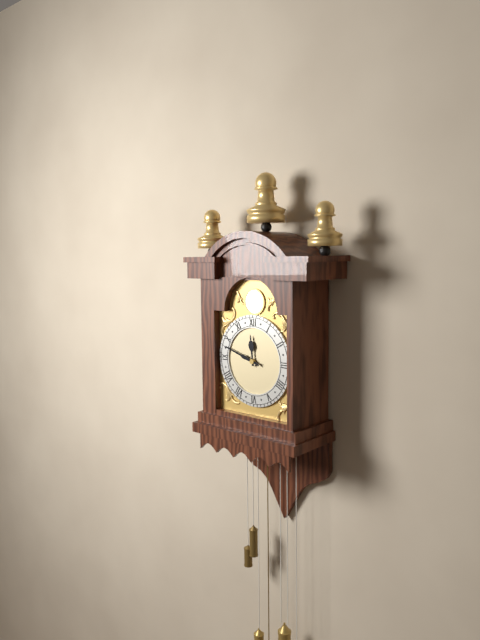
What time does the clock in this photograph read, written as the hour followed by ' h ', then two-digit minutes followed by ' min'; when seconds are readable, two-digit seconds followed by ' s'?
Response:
11 h 48 min
